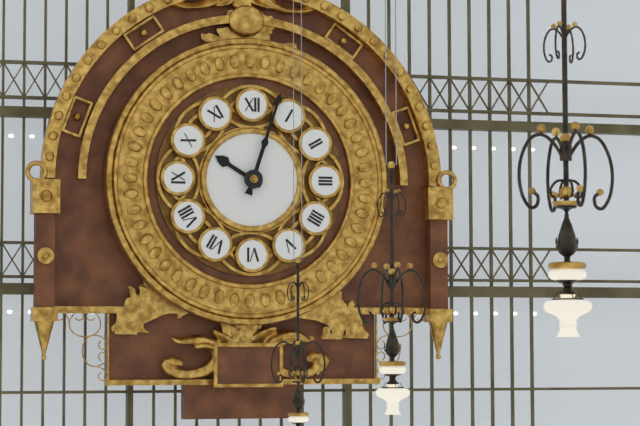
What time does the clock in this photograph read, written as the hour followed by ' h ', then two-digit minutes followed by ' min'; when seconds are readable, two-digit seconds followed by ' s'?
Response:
10 h 03 min
